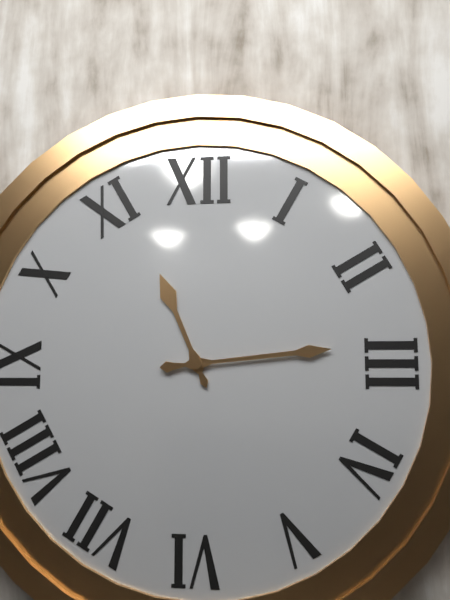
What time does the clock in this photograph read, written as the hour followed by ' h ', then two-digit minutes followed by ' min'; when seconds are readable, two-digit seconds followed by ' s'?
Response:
11 h 14 min
